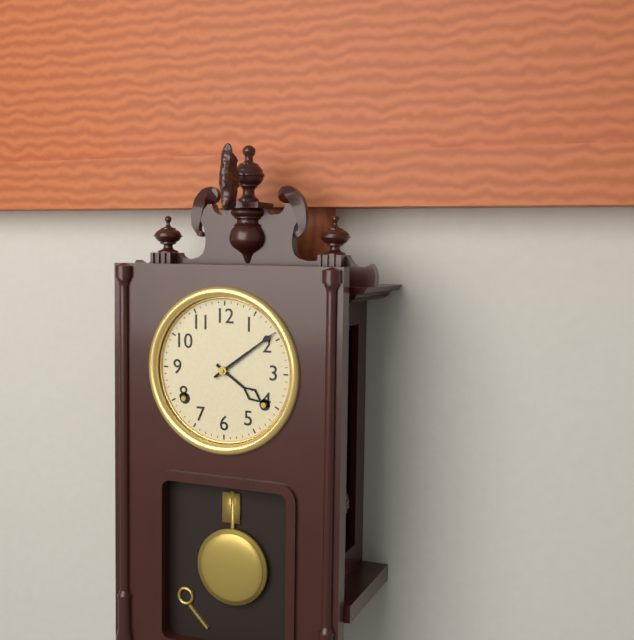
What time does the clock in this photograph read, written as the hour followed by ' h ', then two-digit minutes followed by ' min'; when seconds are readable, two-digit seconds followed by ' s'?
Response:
4 h 09 min
